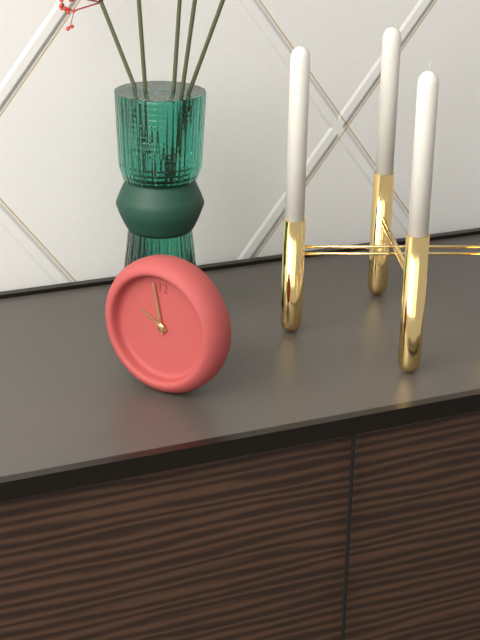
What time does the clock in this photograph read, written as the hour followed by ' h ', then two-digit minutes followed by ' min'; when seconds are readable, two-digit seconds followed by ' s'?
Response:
9 h 58 min
